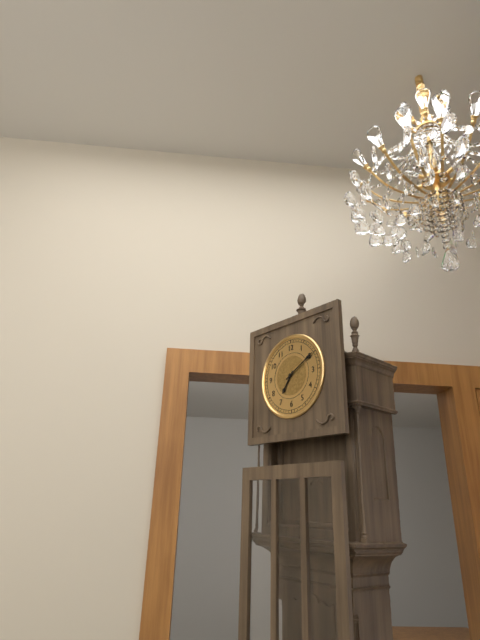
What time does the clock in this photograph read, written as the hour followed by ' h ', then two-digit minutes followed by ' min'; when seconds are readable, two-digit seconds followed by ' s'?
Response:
7 h 10 min
